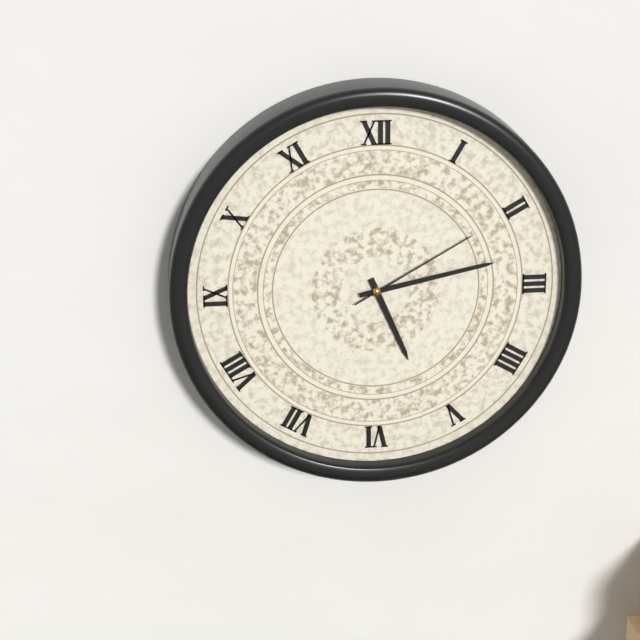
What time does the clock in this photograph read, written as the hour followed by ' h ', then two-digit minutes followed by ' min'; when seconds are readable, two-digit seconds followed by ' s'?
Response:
5 h 13 min 10 s
